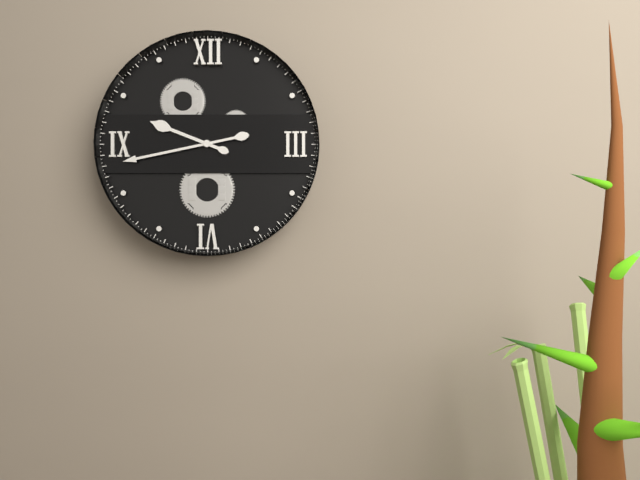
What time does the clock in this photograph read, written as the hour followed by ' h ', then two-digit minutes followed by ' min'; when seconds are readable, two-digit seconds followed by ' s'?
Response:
9 h 43 min
